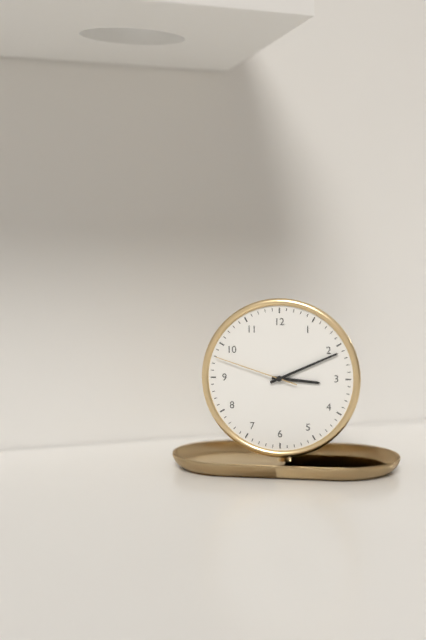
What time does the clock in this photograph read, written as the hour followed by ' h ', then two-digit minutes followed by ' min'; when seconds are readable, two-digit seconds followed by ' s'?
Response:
3 h 11 min 48 s
